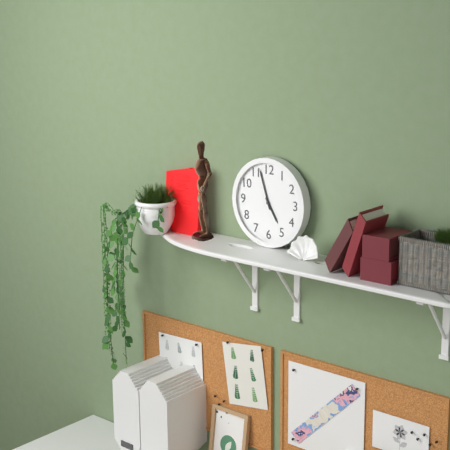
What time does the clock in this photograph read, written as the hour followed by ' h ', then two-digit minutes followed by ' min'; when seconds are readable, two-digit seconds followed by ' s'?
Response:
4 h 57 min
